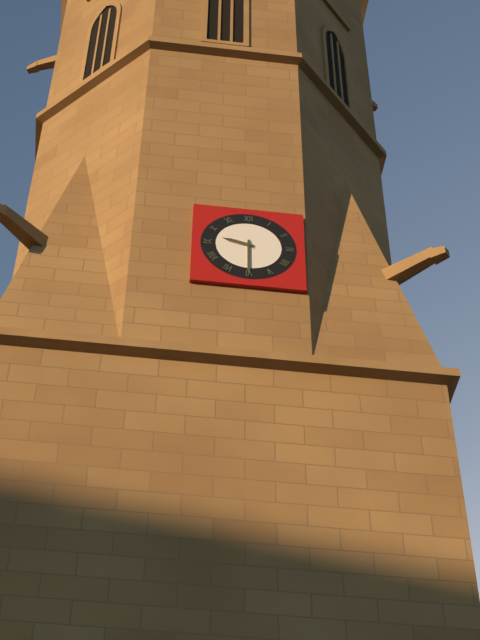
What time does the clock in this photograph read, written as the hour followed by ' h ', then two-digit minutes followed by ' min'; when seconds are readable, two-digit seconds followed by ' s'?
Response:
9 h 30 min
